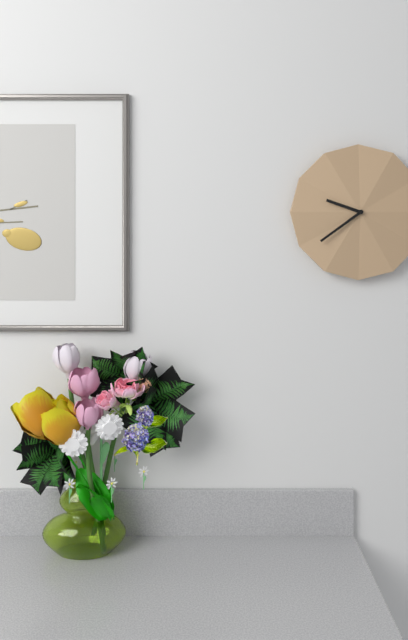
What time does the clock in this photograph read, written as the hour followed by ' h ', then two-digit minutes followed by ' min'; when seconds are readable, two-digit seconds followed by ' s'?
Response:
9 h 39 min
